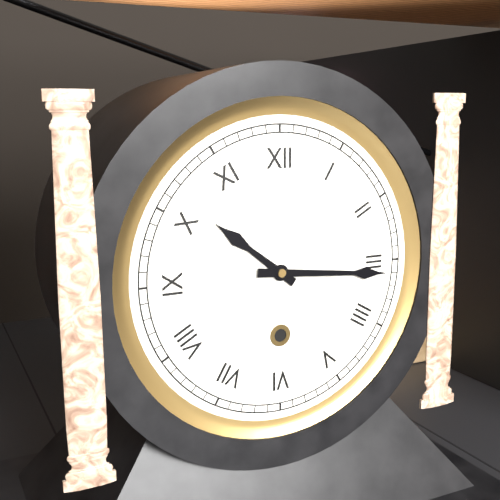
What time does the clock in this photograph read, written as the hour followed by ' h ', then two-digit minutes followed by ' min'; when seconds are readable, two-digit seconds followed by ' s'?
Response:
10 h 16 min
